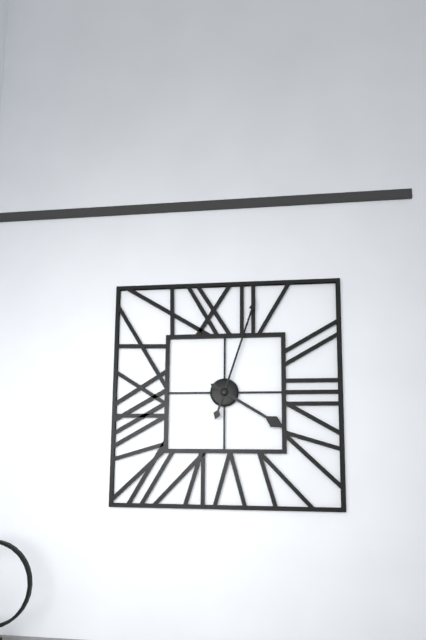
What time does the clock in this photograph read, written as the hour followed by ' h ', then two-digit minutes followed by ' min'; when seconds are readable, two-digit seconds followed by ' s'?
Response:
4 h 03 min
